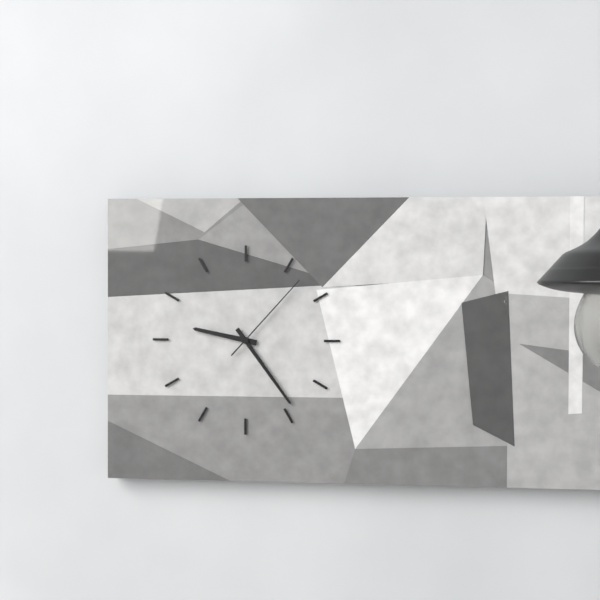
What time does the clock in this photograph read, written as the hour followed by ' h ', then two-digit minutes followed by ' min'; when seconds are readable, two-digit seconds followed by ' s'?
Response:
9 h 24 min 07 s
